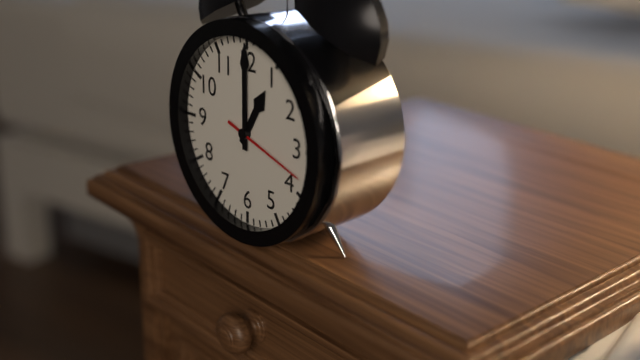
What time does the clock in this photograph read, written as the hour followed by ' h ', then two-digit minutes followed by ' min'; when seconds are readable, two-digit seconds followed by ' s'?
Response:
1 h 00 min 18 s
